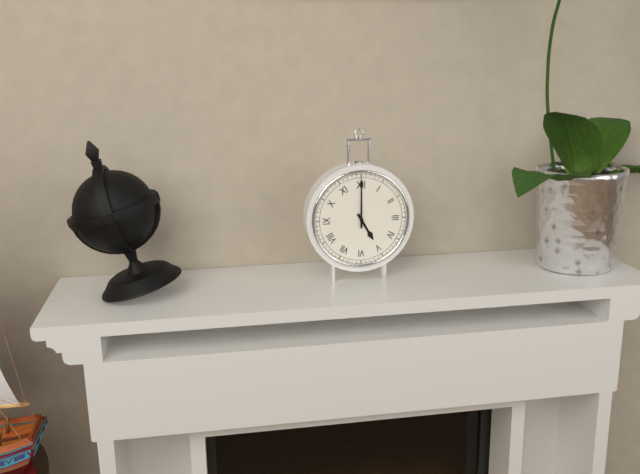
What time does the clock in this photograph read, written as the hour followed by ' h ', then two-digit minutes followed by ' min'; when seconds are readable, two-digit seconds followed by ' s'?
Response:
5 h 00 min
